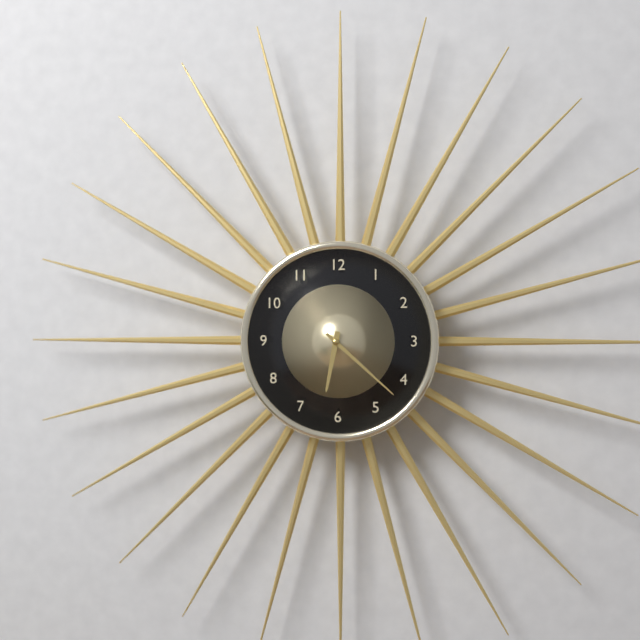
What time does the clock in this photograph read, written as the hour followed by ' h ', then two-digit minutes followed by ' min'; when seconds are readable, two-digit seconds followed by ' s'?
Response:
6 h 22 min
